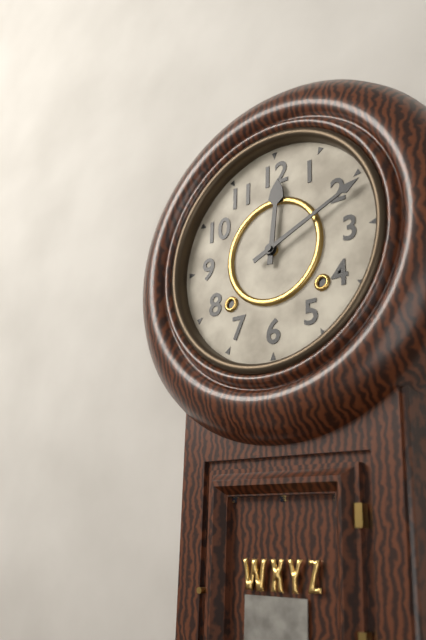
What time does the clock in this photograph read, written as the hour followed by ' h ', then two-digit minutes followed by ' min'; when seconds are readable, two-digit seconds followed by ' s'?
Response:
12 h 11 min
